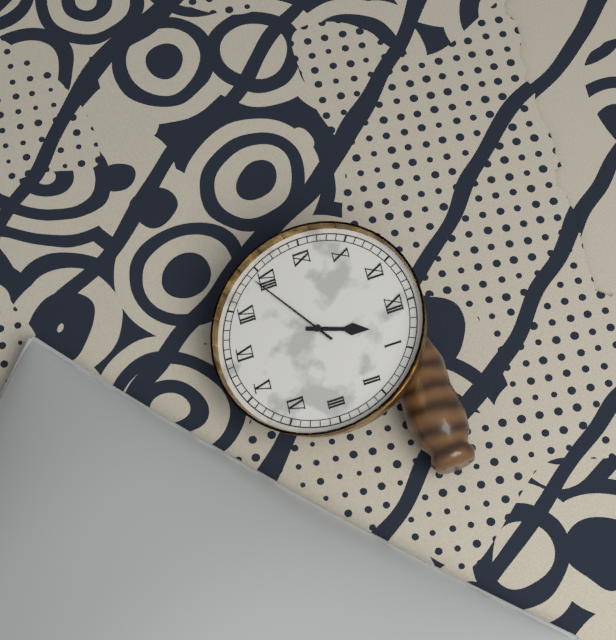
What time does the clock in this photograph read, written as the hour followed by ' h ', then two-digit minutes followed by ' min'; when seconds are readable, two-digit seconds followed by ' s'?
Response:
12 h 39 min
